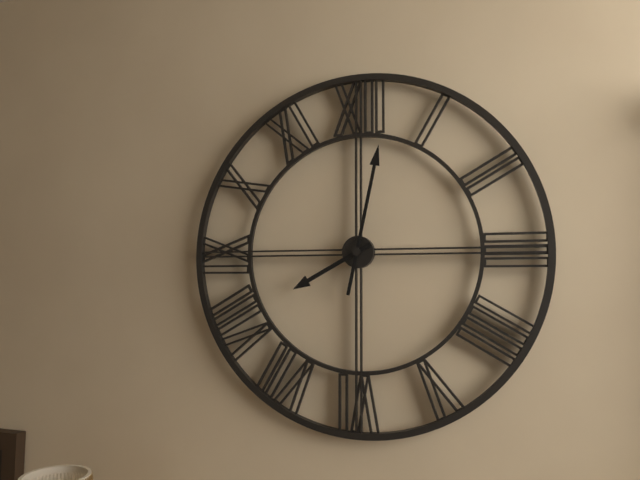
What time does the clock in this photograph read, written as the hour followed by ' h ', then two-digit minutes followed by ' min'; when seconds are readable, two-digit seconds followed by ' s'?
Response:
8 h 02 min
